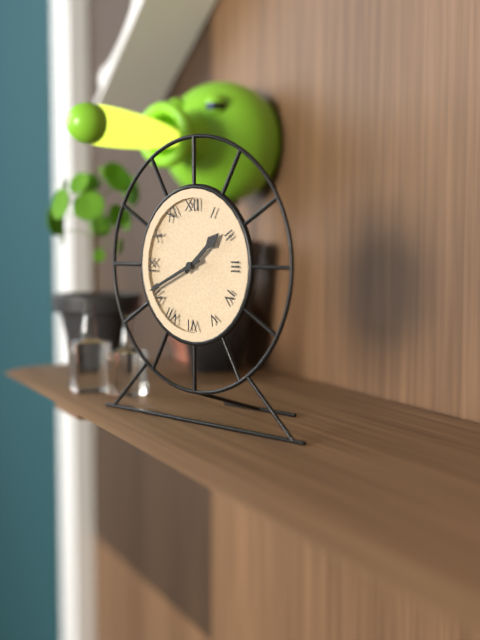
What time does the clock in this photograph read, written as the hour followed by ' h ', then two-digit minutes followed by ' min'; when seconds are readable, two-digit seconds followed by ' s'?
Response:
1 h 41 min
